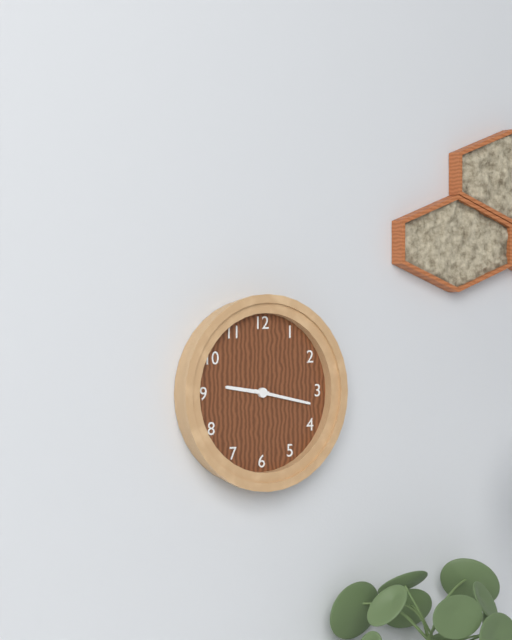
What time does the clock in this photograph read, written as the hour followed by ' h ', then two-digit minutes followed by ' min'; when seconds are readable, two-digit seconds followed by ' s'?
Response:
9 h 17 min
